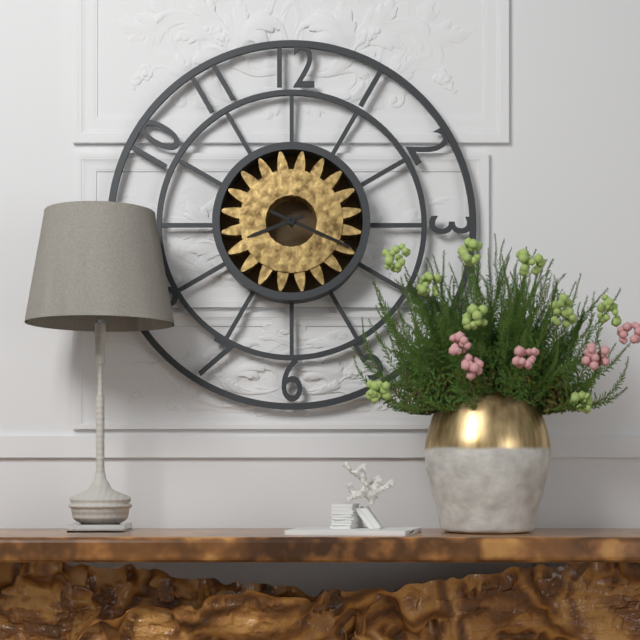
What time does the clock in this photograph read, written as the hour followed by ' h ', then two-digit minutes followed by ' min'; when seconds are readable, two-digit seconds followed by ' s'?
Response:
8 h 19 min
